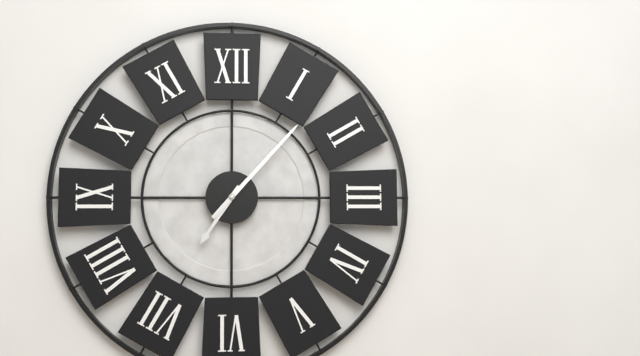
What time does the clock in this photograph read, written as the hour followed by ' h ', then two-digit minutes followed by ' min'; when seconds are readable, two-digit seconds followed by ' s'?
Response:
7 h 07 min
